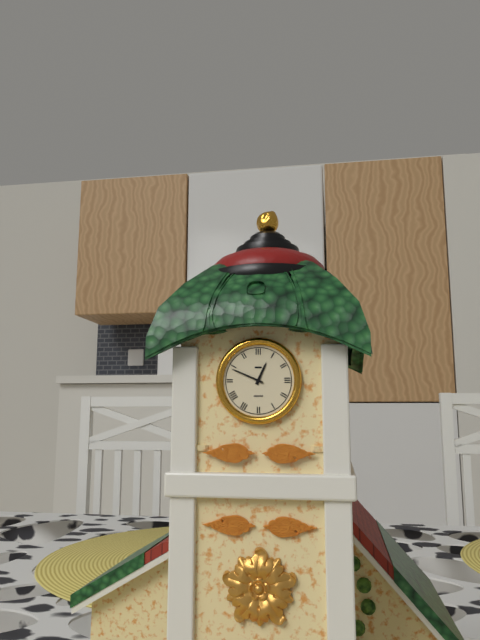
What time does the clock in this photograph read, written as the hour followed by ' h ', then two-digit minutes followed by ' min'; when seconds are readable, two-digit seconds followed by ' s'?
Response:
12 h 49 min
